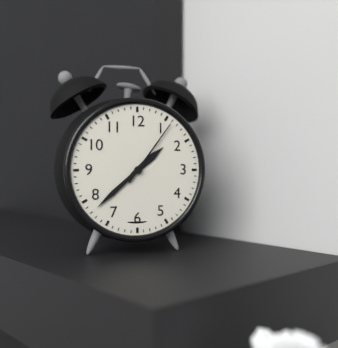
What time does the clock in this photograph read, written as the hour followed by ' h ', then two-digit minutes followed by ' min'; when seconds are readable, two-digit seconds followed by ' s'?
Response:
1 h 38 min 06 s
